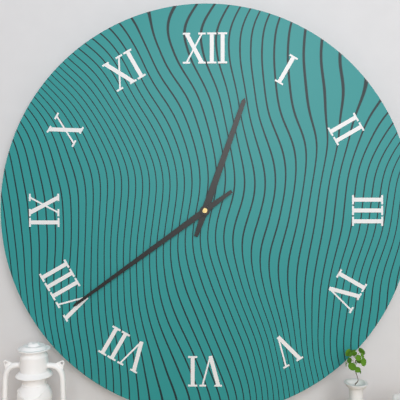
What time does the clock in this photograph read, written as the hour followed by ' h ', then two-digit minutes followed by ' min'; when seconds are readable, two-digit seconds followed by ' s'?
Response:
12 h 39 min
